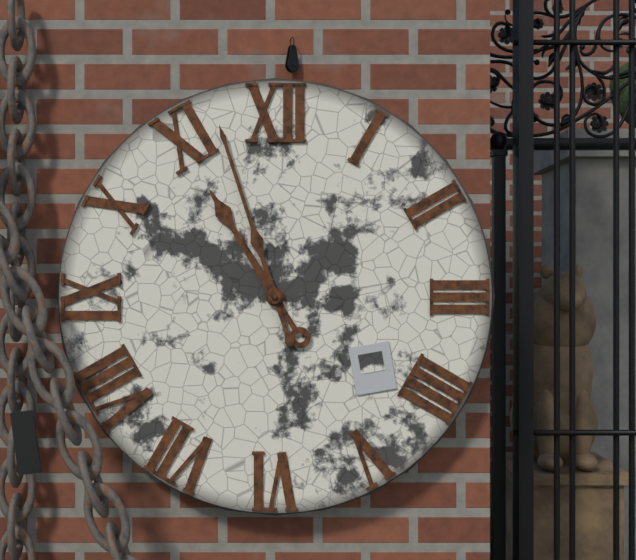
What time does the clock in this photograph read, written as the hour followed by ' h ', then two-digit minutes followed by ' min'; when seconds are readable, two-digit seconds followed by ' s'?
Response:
10 h 57 min
